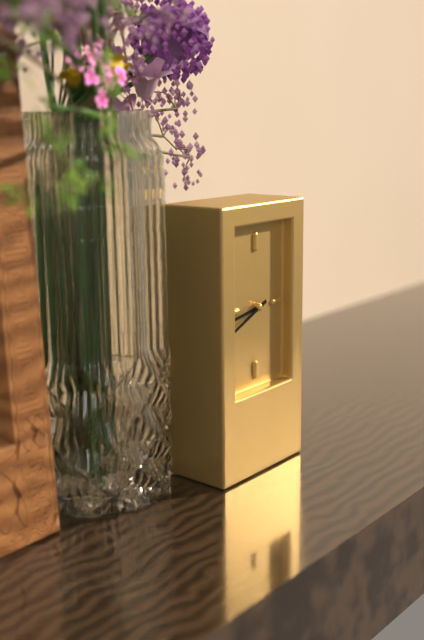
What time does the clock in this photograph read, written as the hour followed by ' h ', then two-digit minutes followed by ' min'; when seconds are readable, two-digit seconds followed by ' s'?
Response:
8 h 41 min
